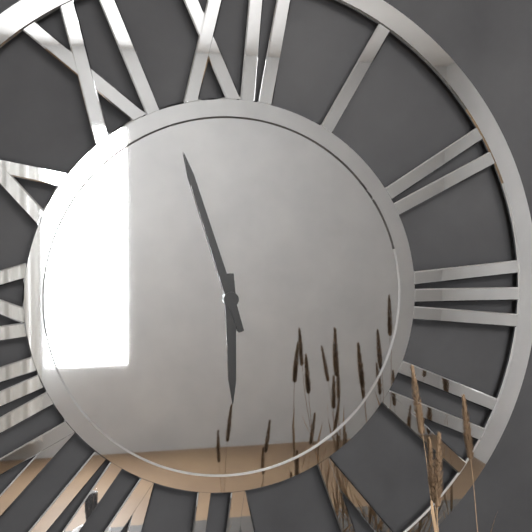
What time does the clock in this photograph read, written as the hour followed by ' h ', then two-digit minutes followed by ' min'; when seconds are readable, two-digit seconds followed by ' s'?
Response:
5 h 57 min
